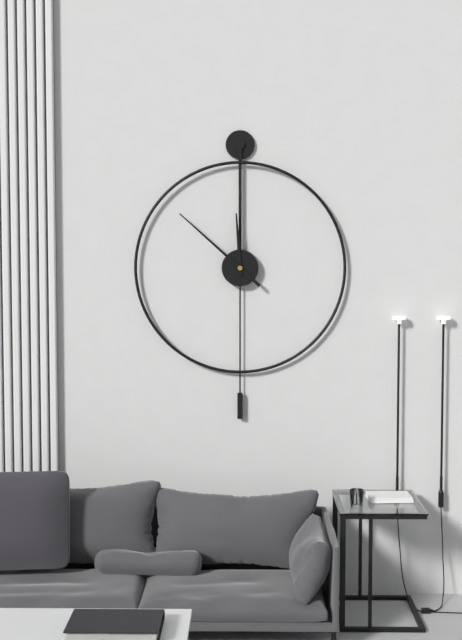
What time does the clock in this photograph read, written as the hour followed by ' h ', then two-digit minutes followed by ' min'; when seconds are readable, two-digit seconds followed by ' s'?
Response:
11 h 52 min
